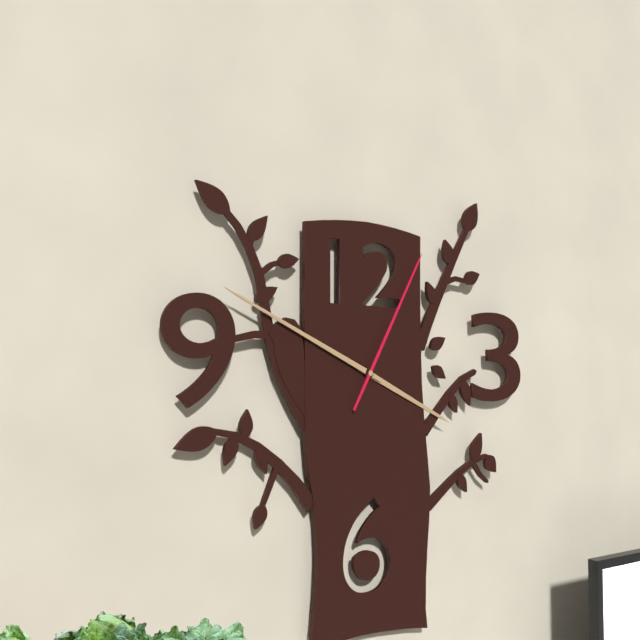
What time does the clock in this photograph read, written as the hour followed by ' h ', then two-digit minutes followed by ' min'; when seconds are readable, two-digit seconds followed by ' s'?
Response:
3 h 49 min 05 s
